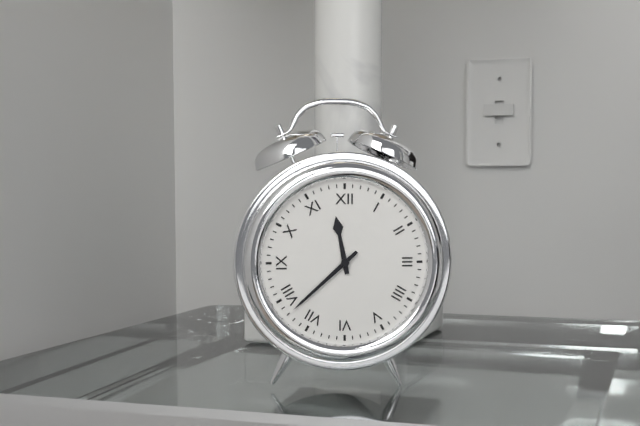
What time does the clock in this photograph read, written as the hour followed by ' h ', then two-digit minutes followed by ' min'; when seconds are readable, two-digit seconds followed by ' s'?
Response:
11 h 38 min
